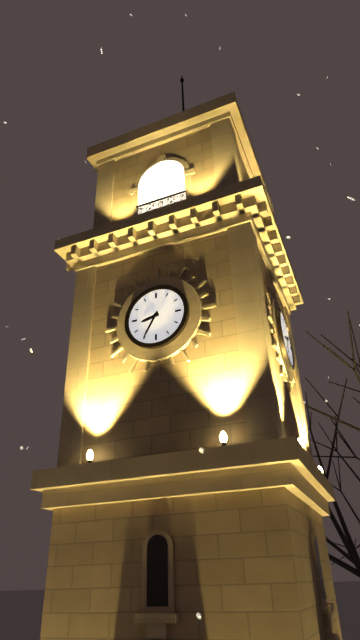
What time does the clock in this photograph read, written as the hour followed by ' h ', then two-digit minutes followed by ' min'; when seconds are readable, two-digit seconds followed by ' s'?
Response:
8 h 35 min
